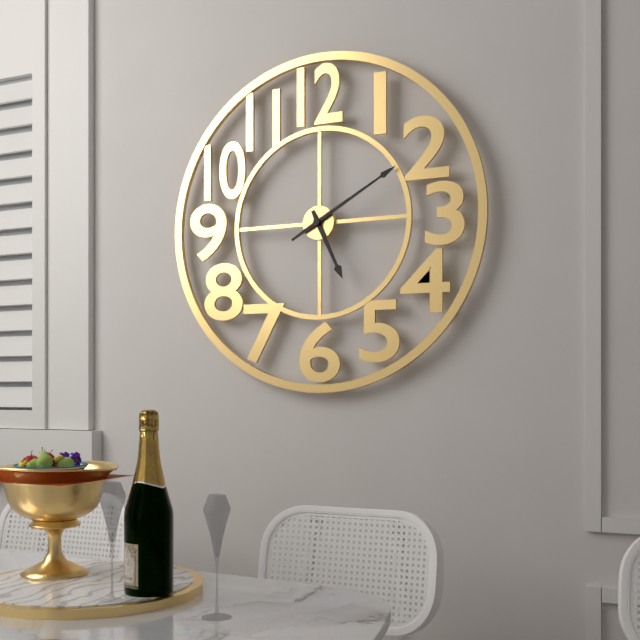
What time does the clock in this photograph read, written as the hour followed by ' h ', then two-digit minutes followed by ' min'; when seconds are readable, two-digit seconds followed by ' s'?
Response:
5 h 10 min
